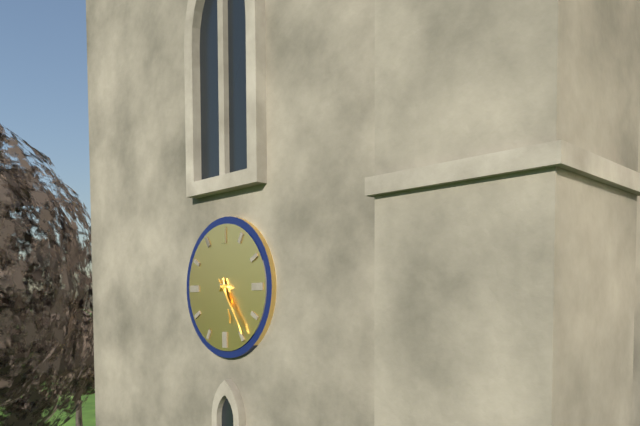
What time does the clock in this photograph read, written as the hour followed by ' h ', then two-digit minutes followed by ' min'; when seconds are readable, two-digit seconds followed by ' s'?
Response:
5 h 24 min
